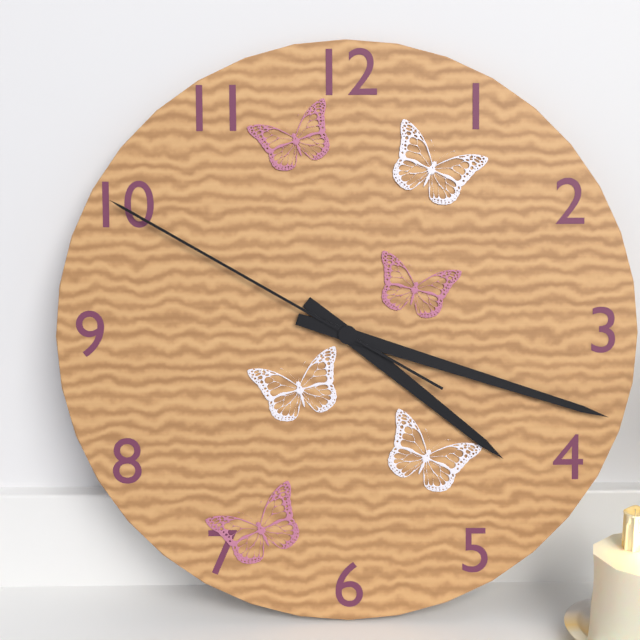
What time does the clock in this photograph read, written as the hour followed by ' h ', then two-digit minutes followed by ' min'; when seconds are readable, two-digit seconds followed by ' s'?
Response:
4 h 18 min 50 s
